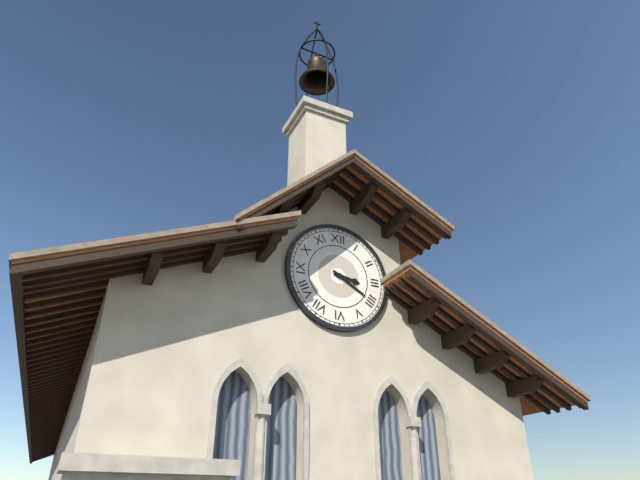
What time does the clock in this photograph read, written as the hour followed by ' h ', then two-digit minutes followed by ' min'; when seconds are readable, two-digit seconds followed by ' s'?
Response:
3 h 20 min
